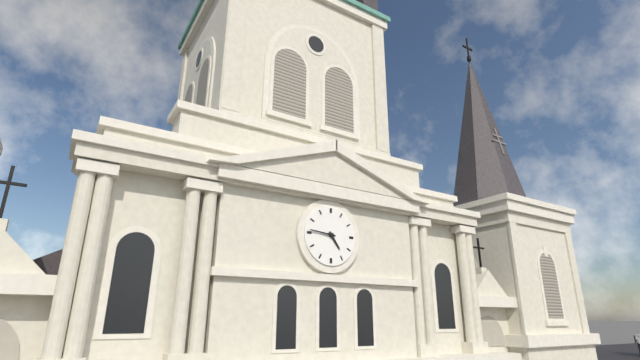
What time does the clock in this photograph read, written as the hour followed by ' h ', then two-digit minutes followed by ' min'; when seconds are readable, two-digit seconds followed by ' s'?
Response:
4 h 46 min
